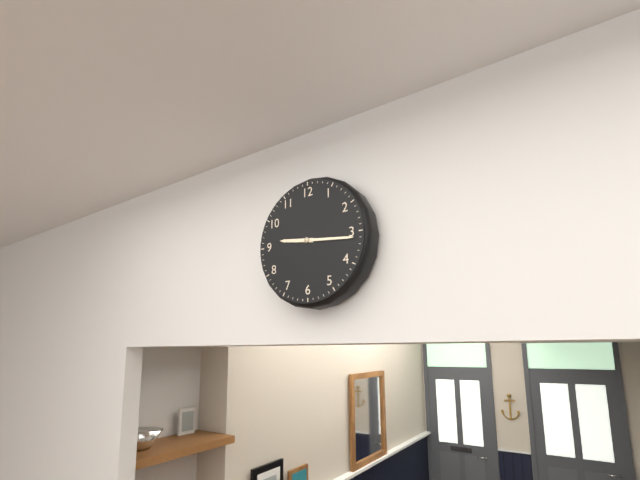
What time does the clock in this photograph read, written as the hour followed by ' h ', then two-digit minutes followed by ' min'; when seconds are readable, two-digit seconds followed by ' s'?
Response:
9 h 16 min
